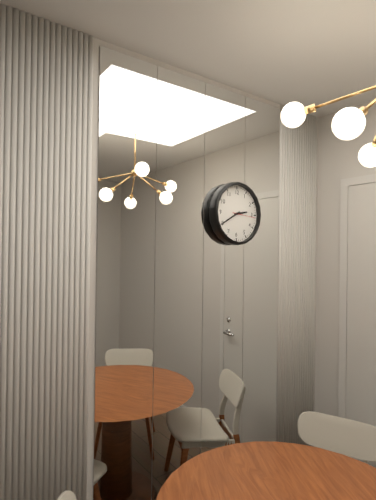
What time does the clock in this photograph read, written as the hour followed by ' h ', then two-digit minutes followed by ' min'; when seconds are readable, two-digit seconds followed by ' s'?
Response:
2 h 40 min
